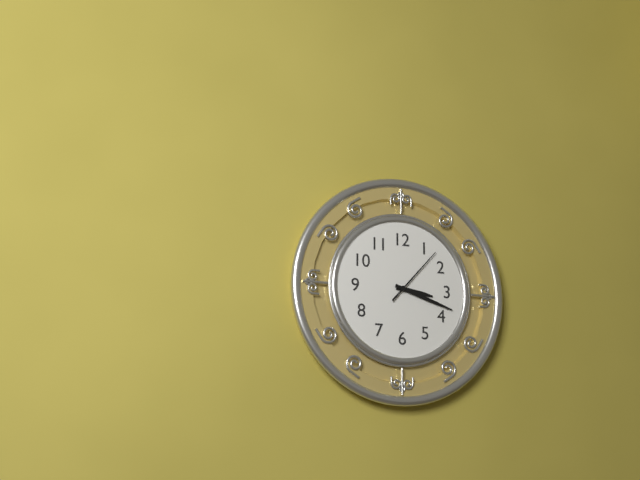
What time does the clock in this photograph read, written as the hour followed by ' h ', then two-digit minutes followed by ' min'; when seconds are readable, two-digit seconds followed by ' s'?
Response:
3 h 18 min 07 s
